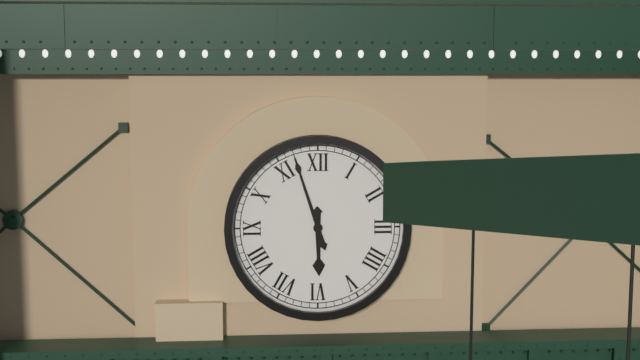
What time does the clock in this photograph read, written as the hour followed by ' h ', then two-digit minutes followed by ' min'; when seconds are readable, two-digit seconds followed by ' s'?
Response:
5 h 57 min
